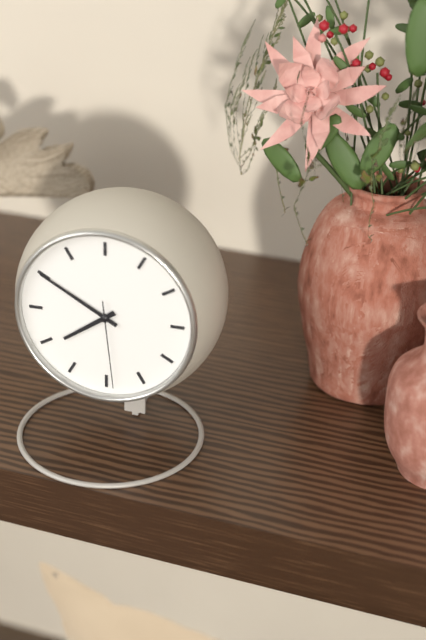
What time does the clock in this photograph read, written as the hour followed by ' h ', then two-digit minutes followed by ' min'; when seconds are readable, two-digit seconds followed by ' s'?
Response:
7 h 50 min 29 s
